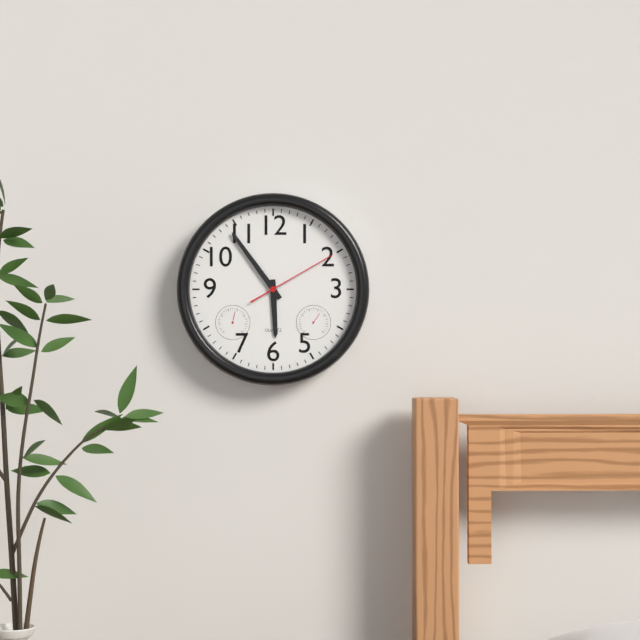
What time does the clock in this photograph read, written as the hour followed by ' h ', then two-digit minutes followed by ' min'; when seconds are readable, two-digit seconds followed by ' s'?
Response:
5 h 54 min 10 s
